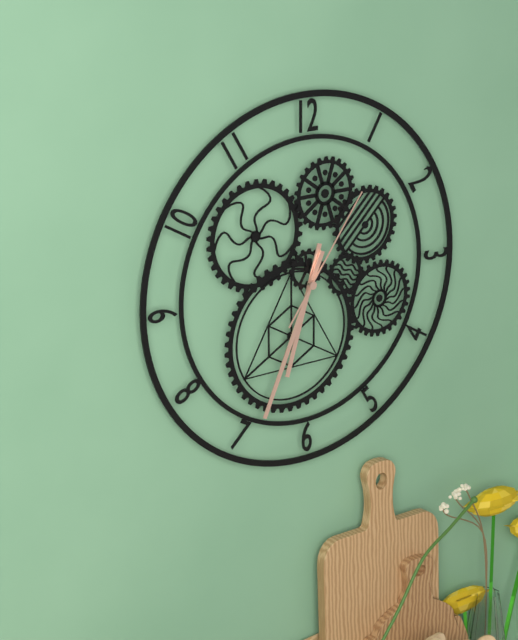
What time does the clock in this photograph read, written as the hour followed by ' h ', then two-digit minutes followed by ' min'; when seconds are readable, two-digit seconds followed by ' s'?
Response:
6 h 34 min 06 s
